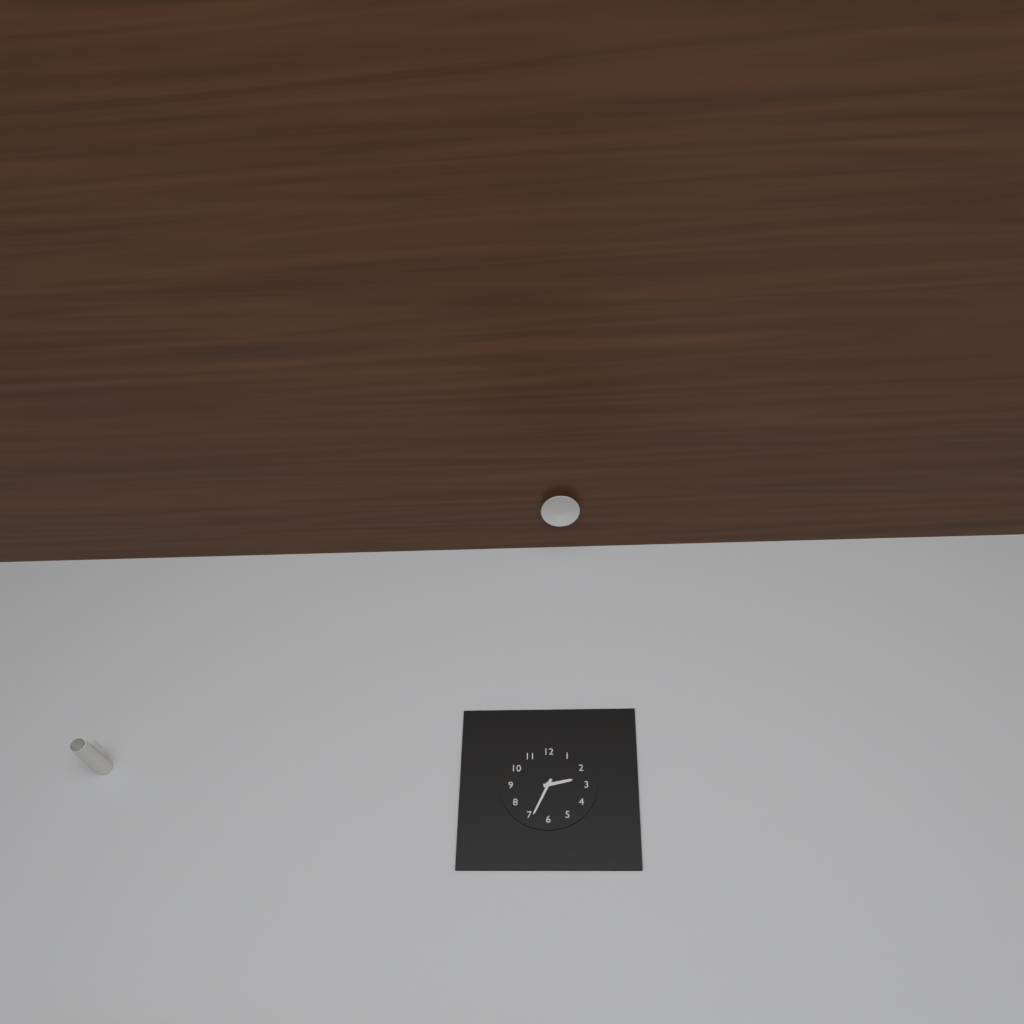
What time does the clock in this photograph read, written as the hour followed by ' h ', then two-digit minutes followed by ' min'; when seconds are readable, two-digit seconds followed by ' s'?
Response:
2 h 34 min
